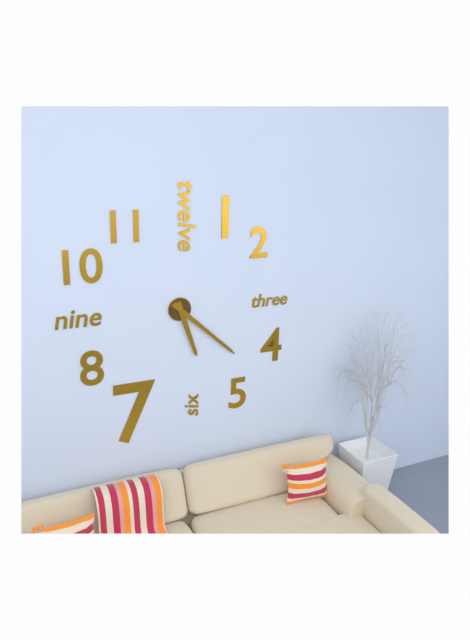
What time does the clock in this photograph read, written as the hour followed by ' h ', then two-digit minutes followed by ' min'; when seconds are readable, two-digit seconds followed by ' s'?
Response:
5 h 22 min
